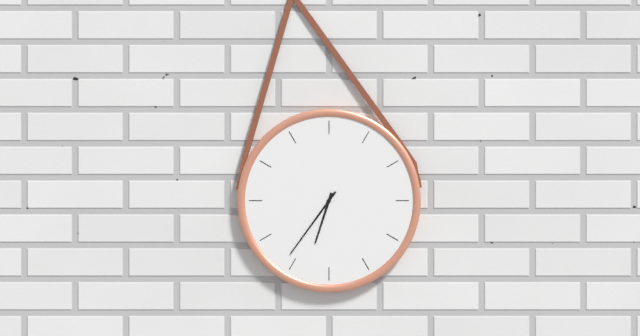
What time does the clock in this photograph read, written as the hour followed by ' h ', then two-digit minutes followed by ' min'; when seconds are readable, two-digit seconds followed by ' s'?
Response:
6 h 36 min
